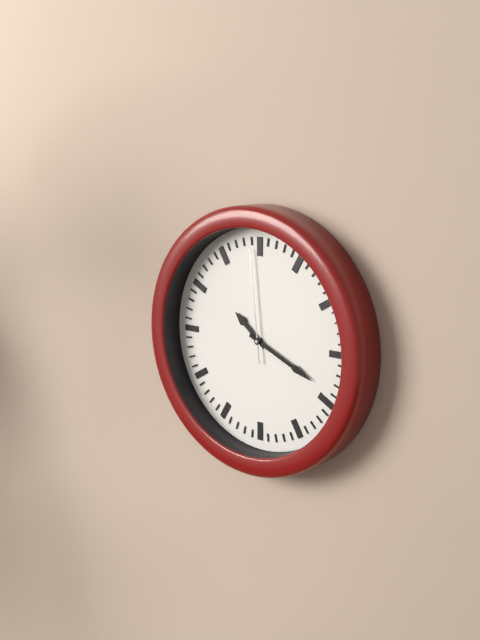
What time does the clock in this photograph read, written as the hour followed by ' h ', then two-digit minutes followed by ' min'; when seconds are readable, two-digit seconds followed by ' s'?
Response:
10 h 19 min 59 s
